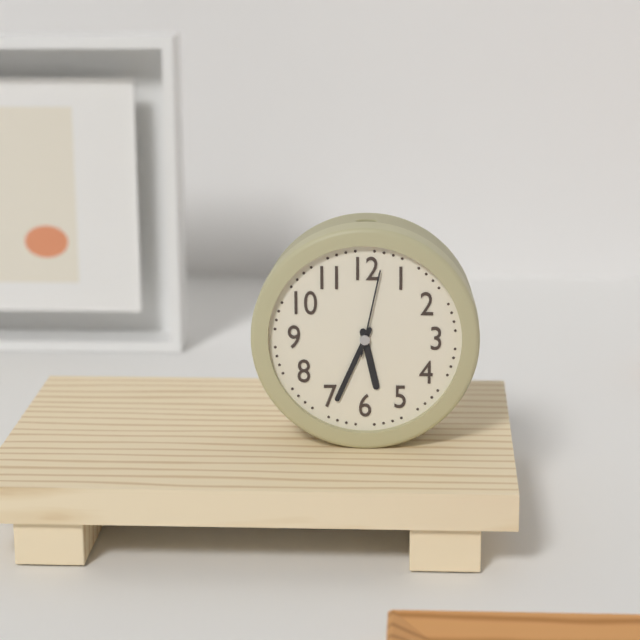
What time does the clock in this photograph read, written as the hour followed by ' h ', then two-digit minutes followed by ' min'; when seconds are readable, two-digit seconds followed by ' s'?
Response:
5 h 34 min 02 s
